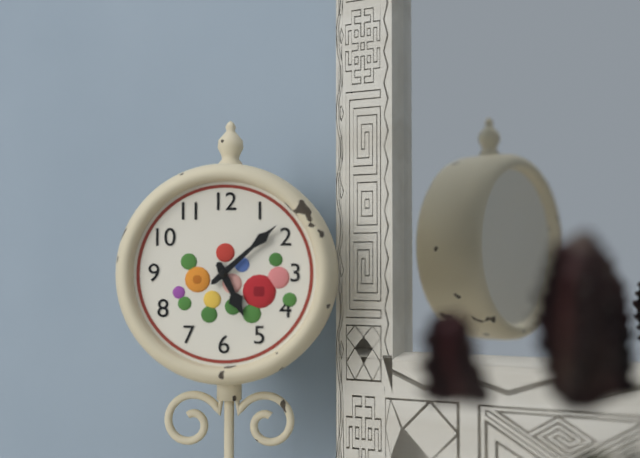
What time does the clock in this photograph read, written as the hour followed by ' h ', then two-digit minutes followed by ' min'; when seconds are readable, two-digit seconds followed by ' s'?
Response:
5 h 08 min
